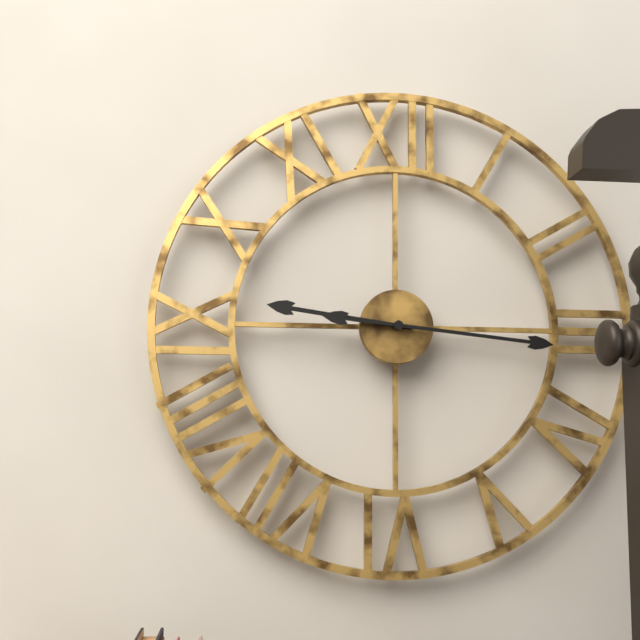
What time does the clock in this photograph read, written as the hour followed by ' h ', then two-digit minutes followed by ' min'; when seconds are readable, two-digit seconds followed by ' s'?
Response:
9 h 16 min
